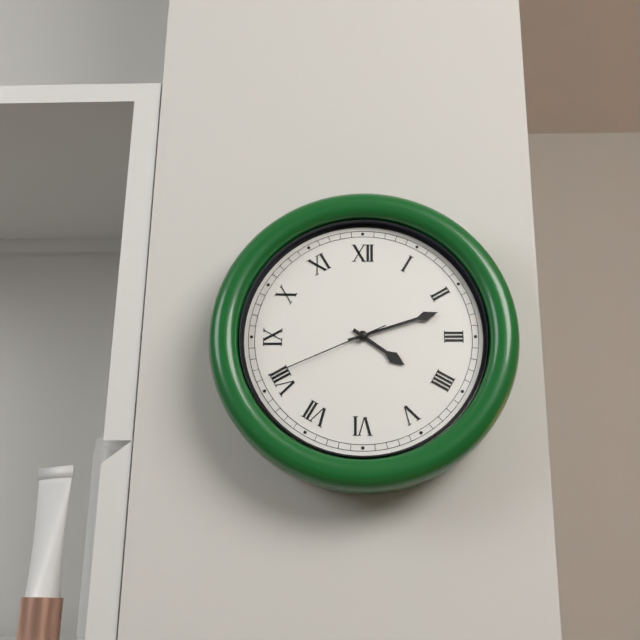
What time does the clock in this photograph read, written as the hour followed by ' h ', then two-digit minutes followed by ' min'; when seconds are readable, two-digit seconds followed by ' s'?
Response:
4 h 12 min 41 s
